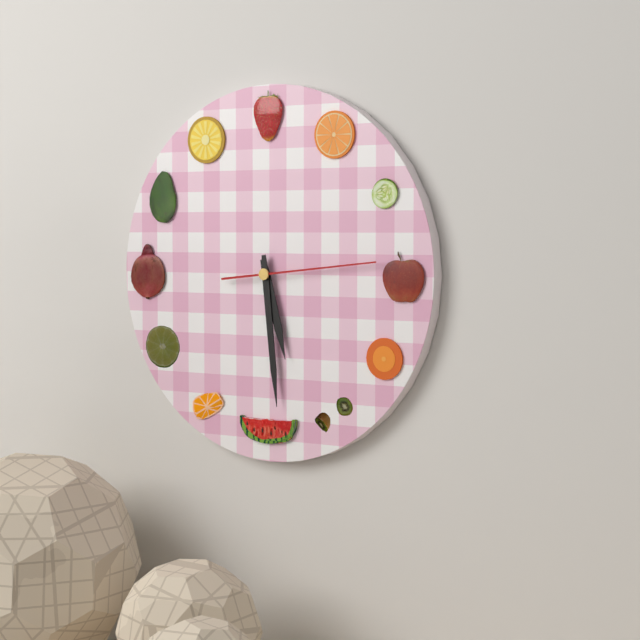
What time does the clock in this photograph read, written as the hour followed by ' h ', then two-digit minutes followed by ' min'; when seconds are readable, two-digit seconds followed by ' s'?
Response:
5 h 29 min 14 s
